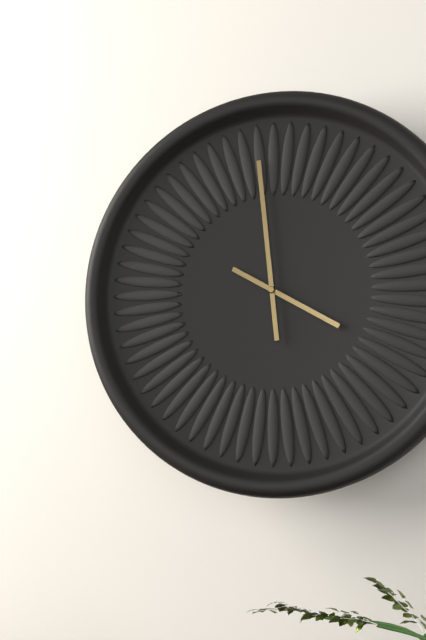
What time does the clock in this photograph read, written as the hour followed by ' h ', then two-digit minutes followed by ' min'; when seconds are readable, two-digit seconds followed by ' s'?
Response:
3 h 59 min
